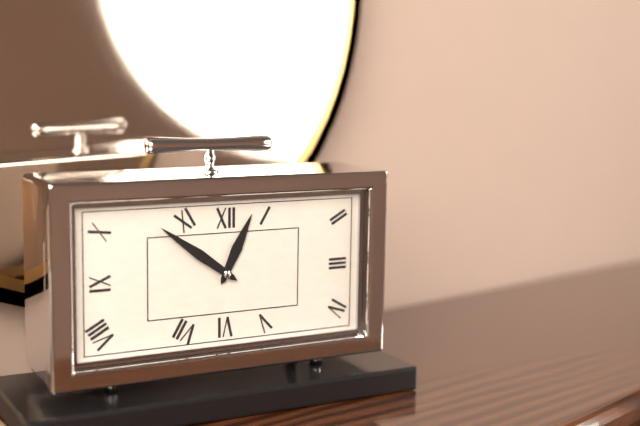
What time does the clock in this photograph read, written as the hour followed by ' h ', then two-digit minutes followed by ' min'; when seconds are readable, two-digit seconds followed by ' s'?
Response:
12 h 51 min
